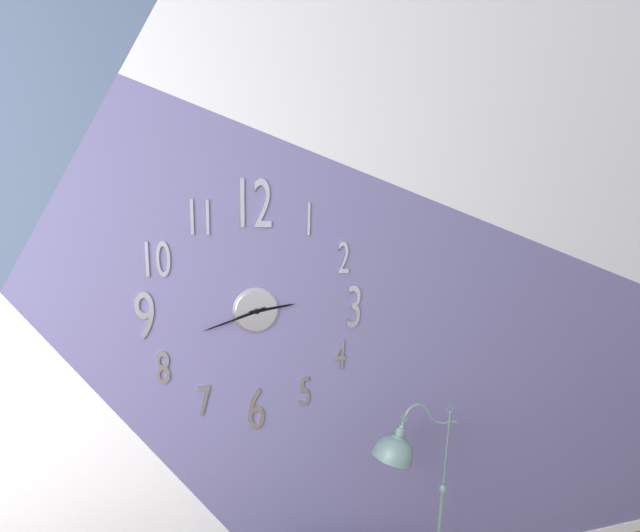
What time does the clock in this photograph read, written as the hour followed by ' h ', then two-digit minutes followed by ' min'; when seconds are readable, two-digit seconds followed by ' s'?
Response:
2 h 42 min
